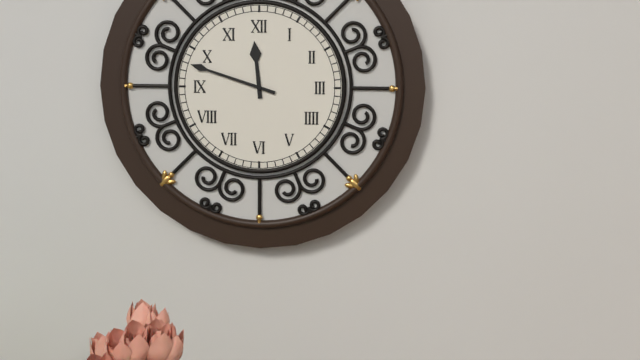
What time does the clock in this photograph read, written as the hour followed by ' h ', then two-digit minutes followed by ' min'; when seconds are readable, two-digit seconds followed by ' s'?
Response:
11 h 48 min
